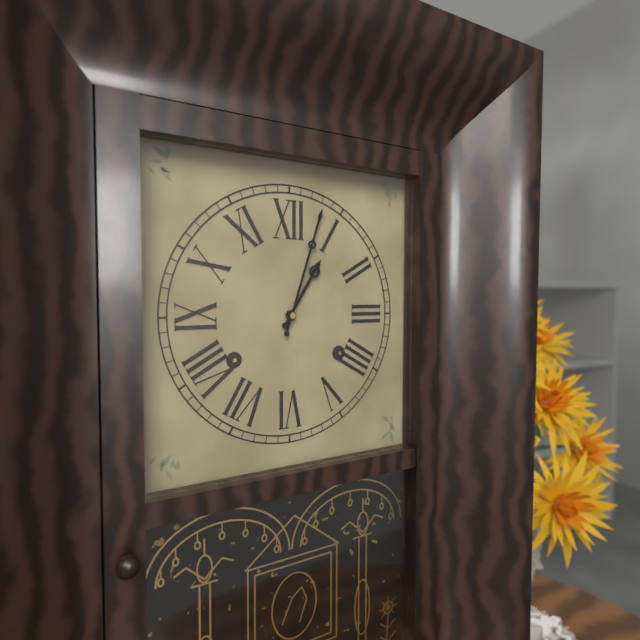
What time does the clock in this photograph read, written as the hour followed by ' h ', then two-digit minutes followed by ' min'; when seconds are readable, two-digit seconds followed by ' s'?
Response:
1 h 03 min
